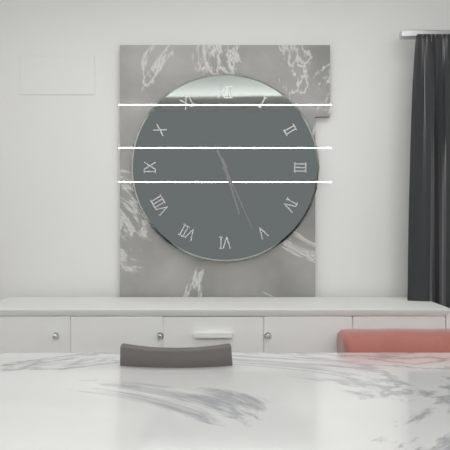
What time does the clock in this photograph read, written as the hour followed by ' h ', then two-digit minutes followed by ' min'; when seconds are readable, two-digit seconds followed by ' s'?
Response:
5 h 26 min
